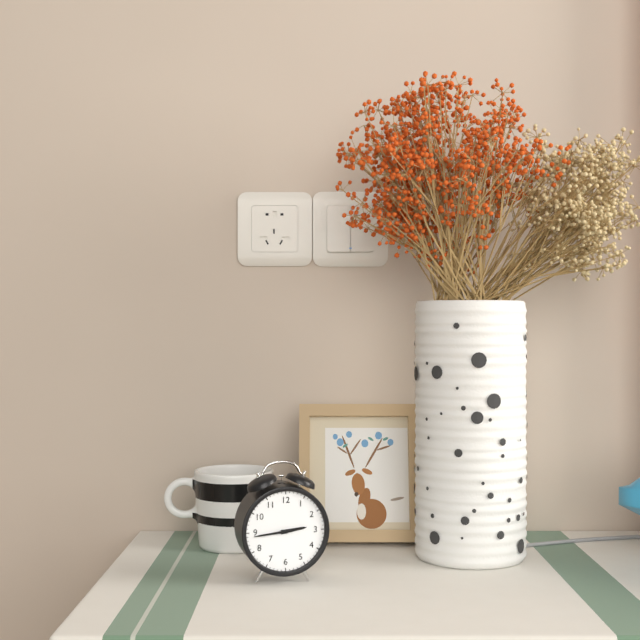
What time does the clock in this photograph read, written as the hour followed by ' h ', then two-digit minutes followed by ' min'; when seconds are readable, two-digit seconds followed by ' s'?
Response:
2 h 44 min
